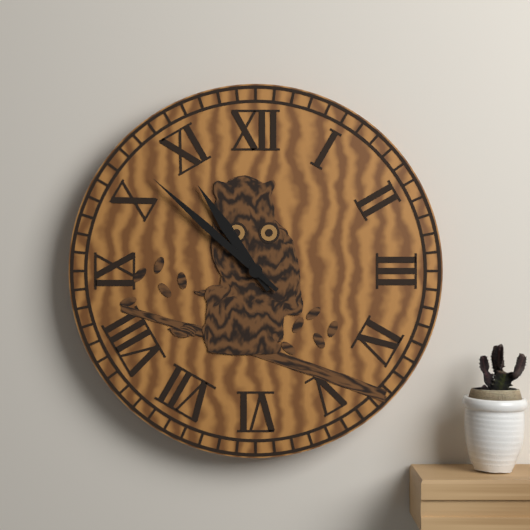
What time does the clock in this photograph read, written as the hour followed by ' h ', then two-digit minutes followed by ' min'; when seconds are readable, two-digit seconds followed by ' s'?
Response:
10 h 52 min
